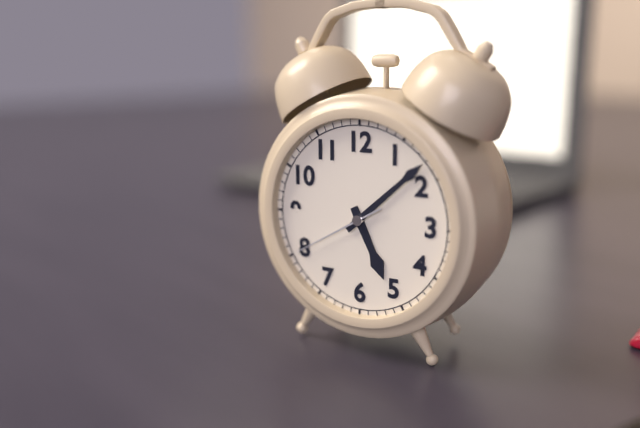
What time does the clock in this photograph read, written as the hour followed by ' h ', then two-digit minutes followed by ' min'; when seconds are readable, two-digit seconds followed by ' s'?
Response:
5 h 08 min 40 s
